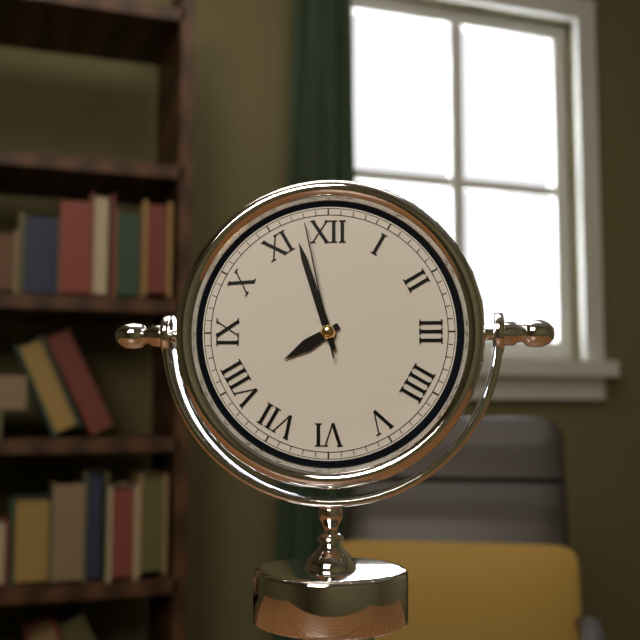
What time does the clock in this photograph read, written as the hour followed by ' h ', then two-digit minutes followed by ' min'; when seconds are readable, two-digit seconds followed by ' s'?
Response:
7 h 57 min 58 s
